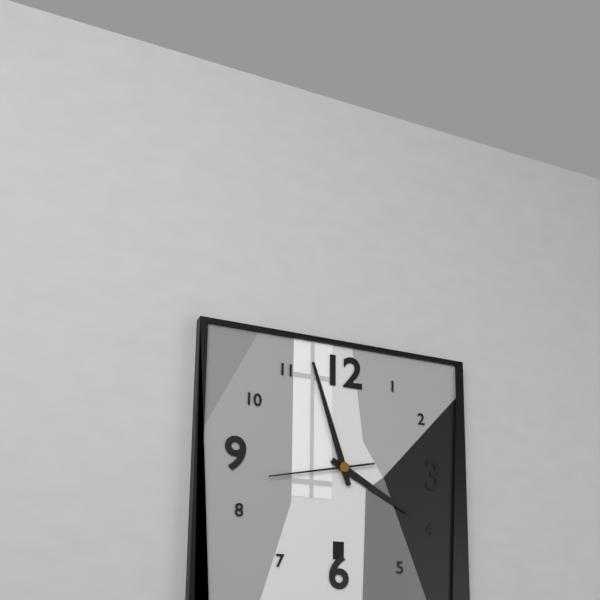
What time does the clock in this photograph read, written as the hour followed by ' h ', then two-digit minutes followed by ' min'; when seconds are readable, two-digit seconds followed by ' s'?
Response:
3 h 57 min 43 s
